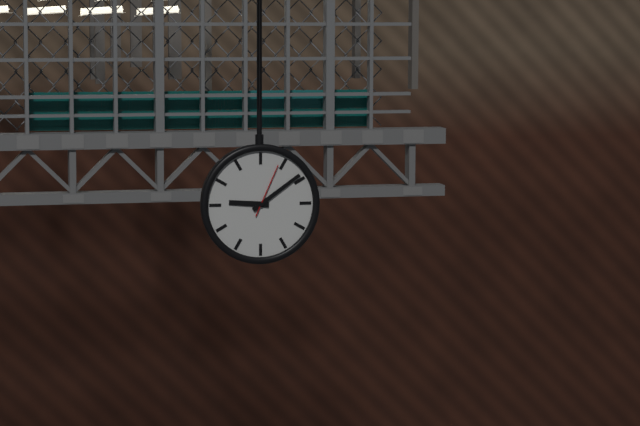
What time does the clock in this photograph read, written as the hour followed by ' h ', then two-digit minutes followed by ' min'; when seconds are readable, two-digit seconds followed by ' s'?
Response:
9 h 09 min 04 s
